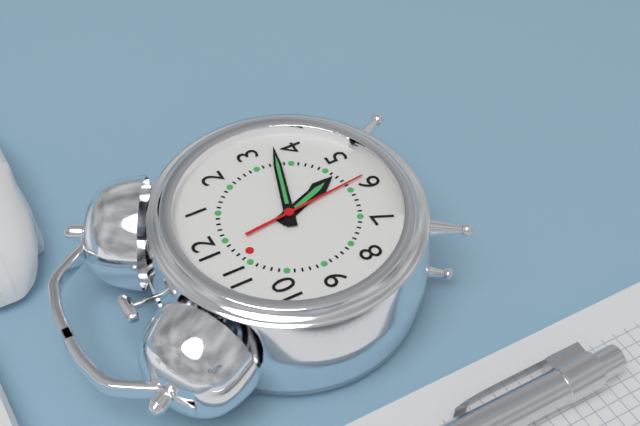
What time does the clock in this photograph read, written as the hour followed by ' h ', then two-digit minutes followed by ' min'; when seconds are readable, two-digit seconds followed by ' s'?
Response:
5 h 18 min 29 s
